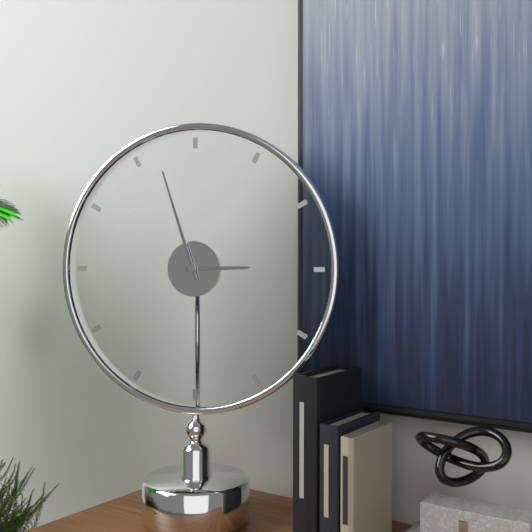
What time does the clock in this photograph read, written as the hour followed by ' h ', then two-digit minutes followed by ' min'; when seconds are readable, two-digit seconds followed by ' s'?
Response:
2 h 57 min
